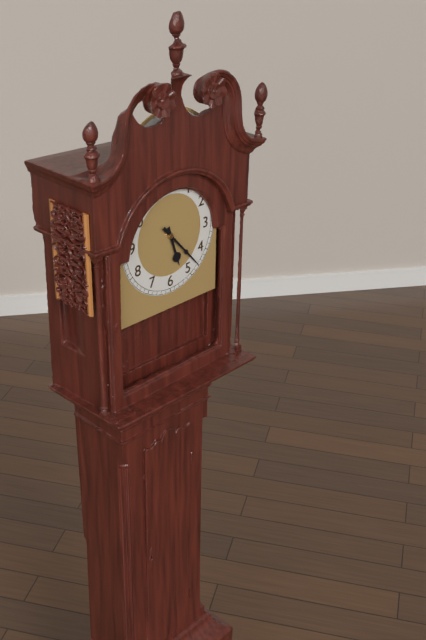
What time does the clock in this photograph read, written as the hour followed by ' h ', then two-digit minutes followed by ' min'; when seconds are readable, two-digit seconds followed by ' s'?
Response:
5 h 23 min
